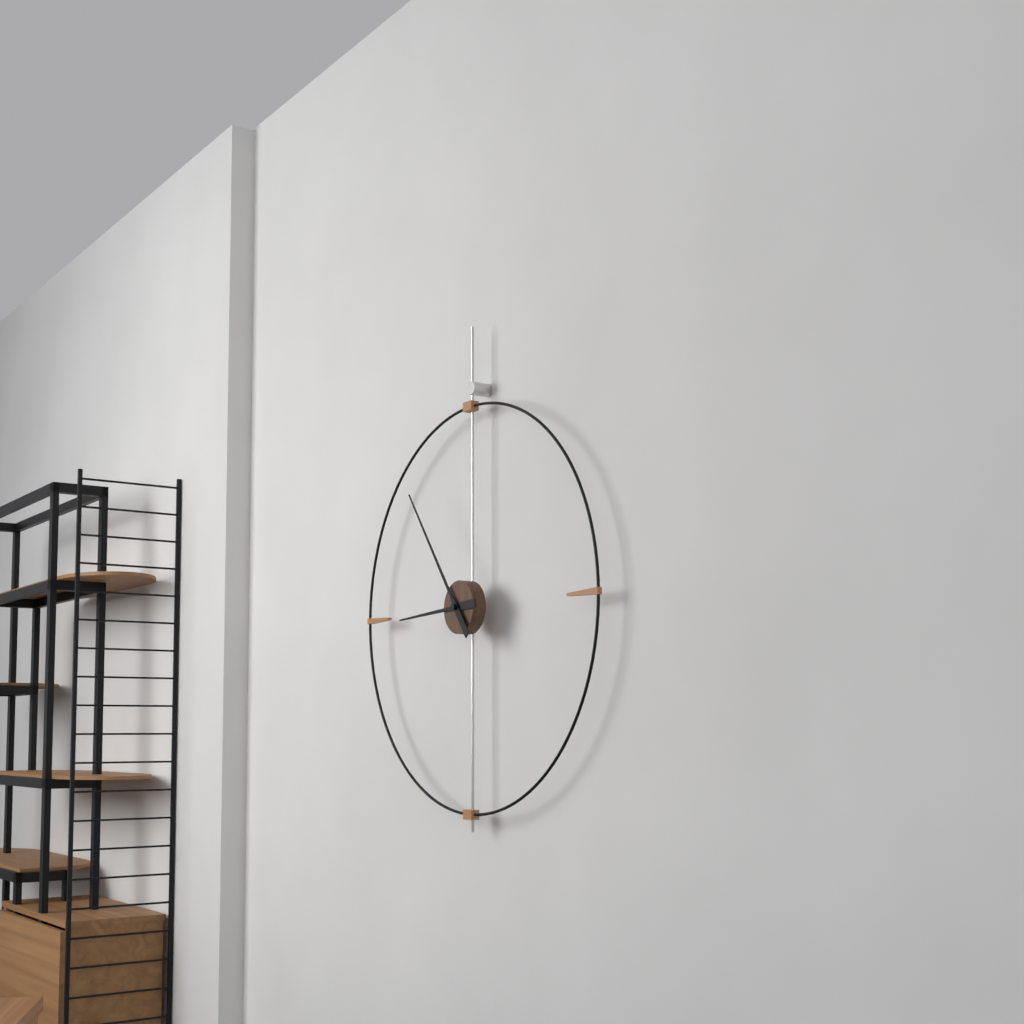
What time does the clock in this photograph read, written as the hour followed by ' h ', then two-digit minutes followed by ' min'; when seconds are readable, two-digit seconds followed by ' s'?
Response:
8 h 54 min
